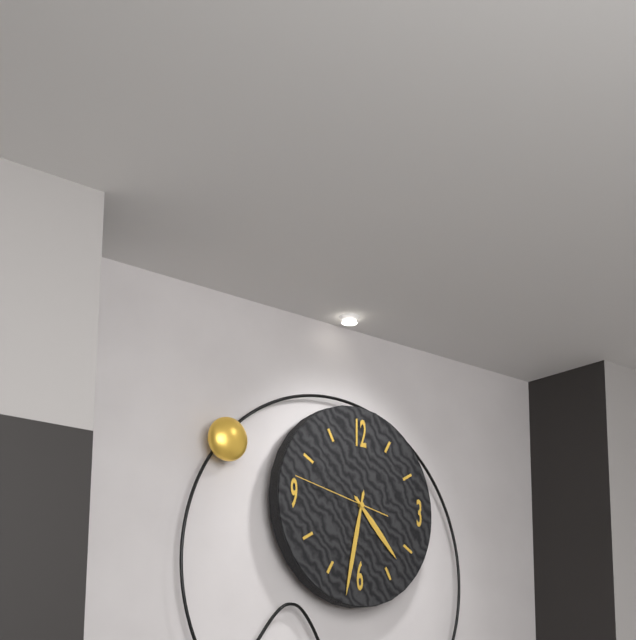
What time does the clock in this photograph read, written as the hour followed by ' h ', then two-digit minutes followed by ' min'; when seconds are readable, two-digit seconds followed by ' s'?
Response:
4 h 32 min 47 s
